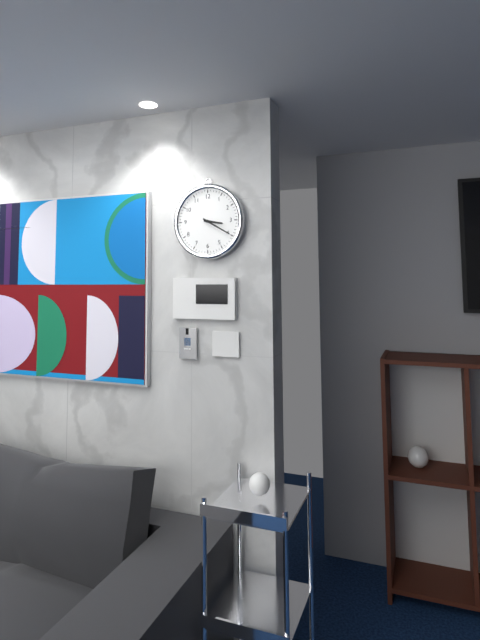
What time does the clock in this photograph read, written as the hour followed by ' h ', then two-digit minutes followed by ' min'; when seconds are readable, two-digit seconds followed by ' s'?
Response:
3 h 20 min
